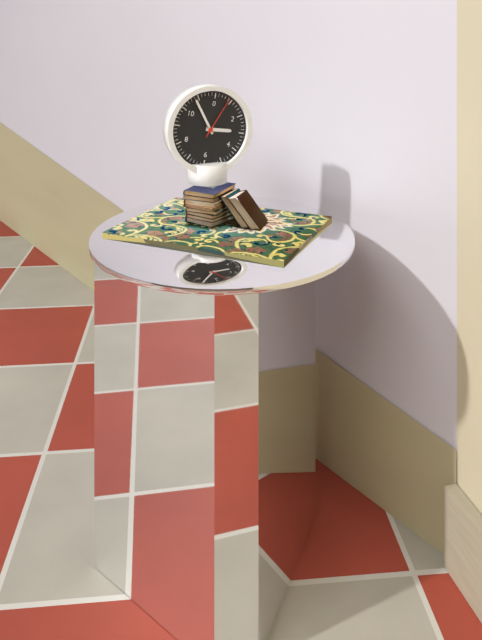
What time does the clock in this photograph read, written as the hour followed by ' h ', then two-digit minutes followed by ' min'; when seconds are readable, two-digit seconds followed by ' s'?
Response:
2 h 54 min
